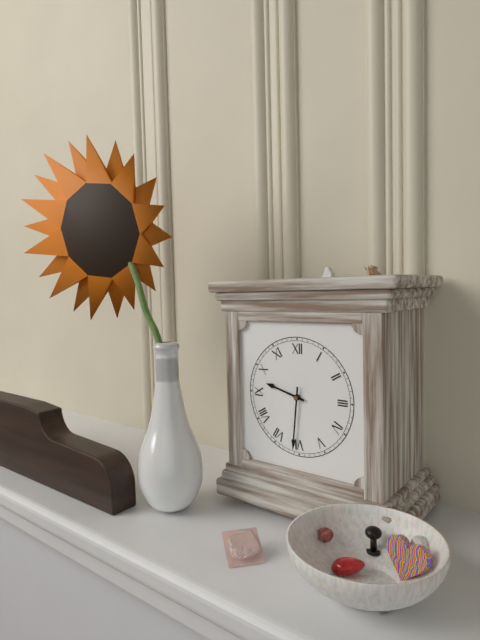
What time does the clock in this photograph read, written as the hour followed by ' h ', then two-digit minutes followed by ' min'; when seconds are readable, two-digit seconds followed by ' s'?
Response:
9 h 31 min
